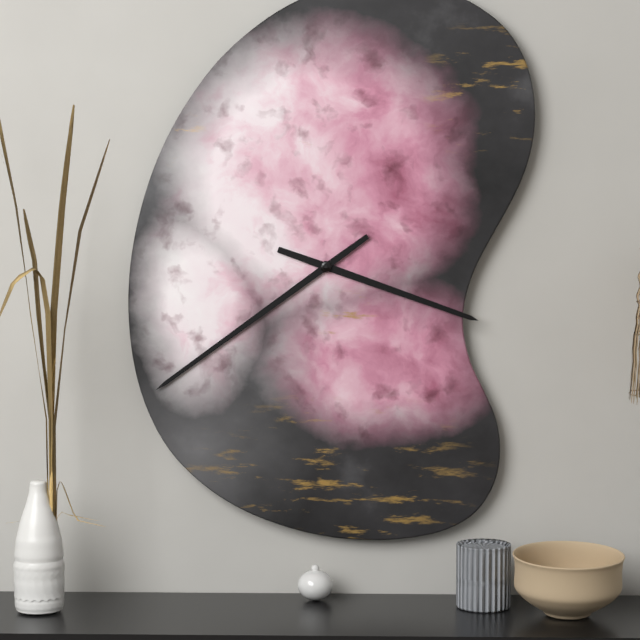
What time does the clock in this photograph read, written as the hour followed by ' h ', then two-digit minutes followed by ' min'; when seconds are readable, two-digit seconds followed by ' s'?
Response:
3 h 39 min
